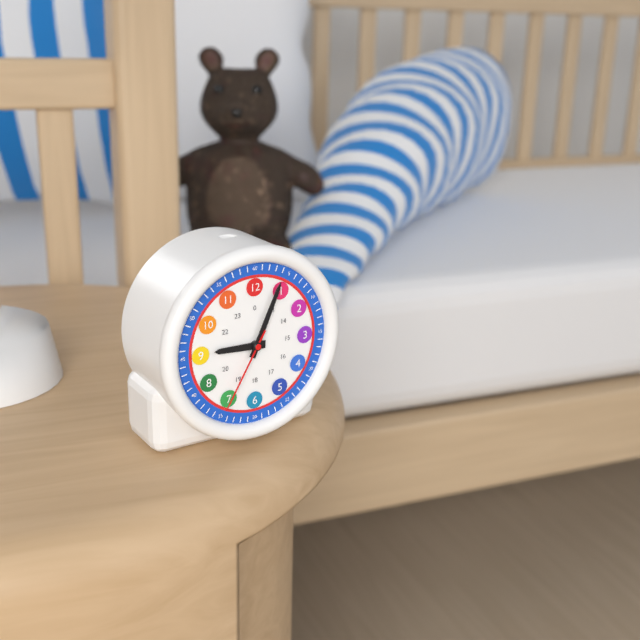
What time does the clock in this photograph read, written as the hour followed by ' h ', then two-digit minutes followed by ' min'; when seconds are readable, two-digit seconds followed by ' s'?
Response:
9 h 04 min 35 s
